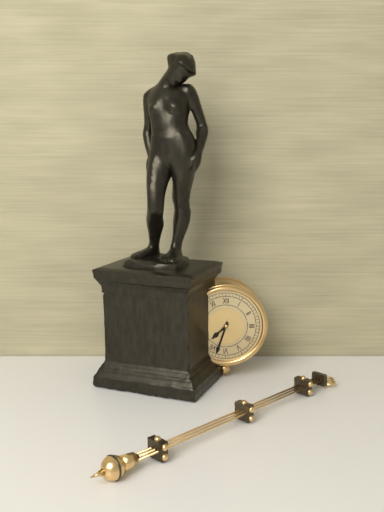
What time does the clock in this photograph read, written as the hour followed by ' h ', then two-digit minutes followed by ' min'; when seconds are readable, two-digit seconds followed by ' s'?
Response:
7 h 33 min
